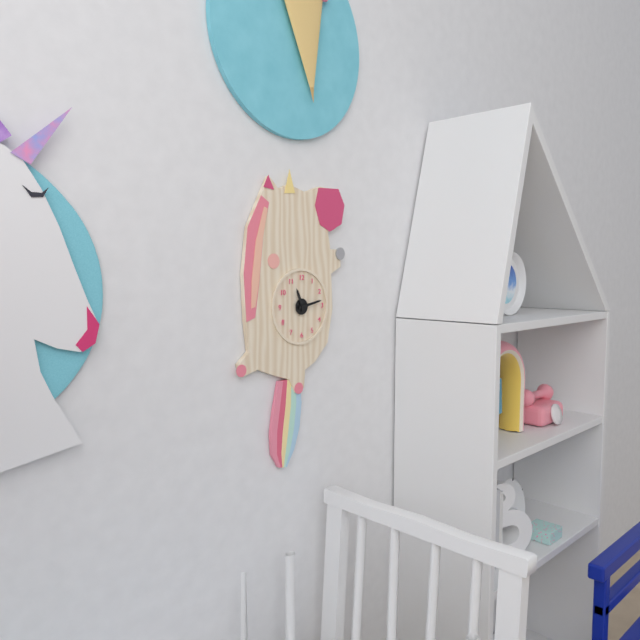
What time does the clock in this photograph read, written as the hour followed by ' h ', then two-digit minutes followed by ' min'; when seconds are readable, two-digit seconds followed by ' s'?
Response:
11 h 13 min
